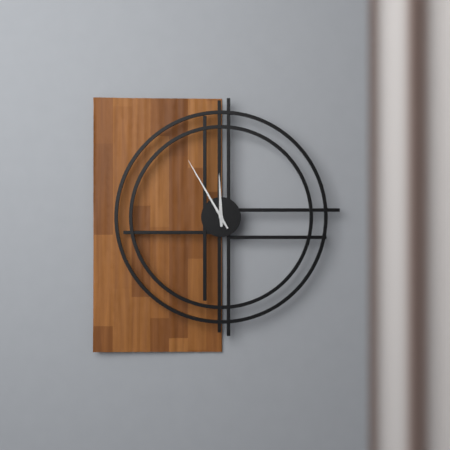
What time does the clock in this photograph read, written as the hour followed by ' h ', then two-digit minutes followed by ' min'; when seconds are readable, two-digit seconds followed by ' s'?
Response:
11 h 55 min
